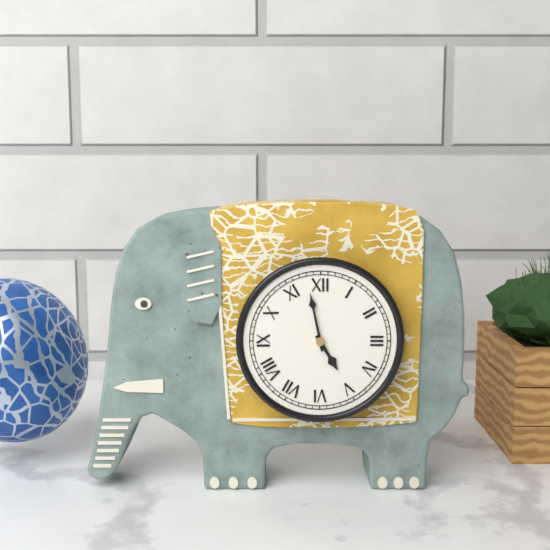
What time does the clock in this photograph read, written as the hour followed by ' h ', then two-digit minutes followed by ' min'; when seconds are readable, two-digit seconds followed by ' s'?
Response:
4 h 58 min
